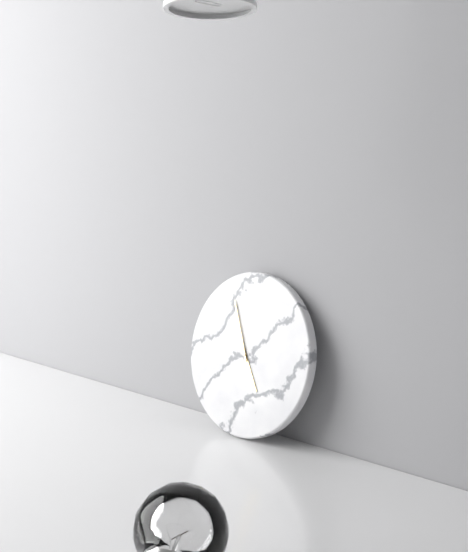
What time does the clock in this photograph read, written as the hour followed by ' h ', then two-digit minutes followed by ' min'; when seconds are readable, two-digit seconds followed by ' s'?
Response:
4 h 56 min
